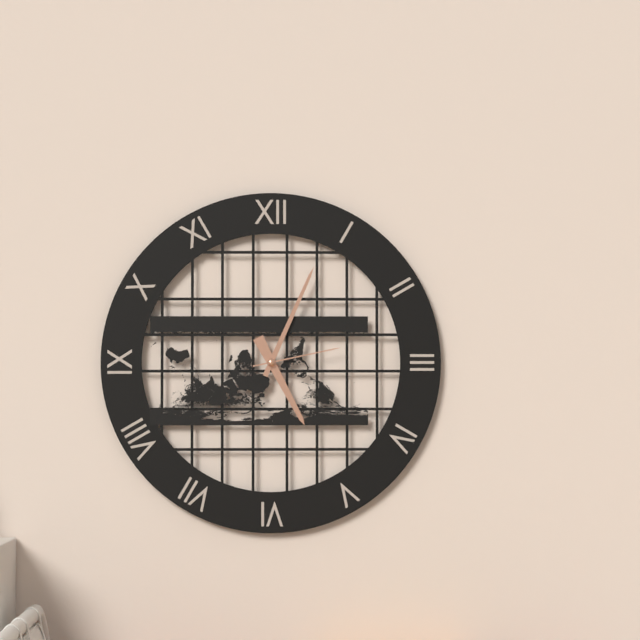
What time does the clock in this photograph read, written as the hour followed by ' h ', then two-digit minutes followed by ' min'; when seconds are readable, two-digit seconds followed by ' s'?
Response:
5 h 04 min 13 s
